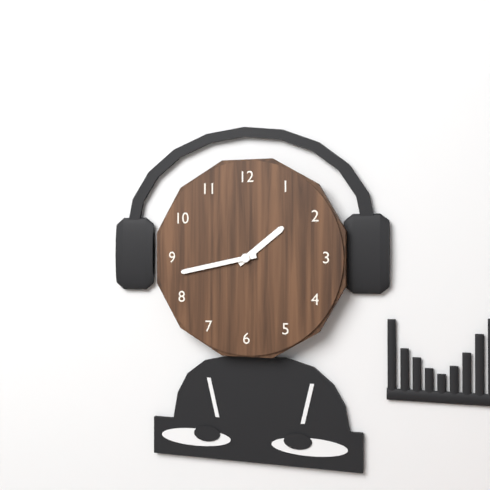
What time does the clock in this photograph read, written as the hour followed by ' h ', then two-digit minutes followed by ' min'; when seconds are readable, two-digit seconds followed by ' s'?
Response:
1 h 43 min
